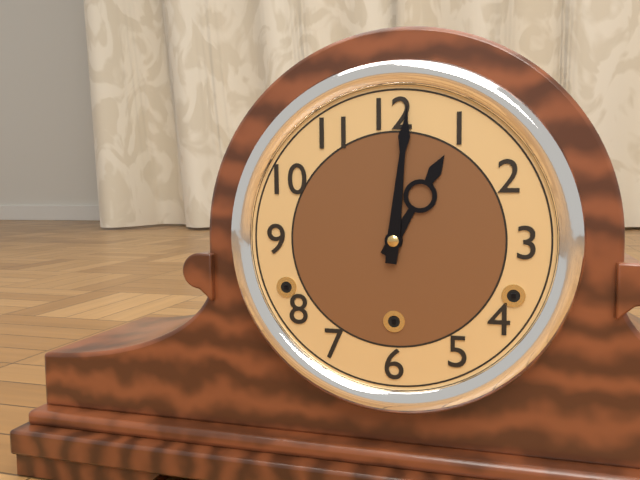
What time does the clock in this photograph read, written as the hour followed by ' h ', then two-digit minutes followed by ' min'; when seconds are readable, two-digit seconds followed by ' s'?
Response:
1 h 01 min
